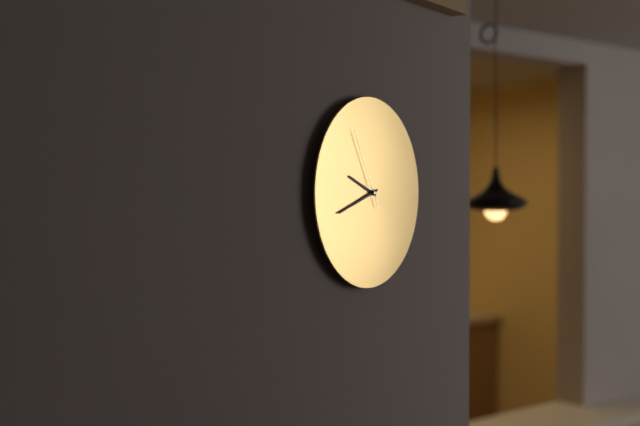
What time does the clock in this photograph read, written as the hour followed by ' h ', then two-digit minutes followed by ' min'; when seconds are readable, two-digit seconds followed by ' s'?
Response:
9 h 42 min 55 s
